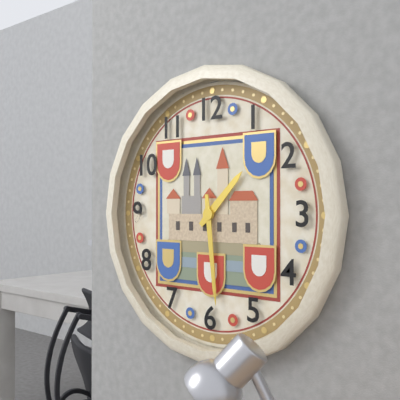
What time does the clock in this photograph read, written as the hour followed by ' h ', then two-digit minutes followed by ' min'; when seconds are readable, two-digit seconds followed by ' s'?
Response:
1 h 29 min
